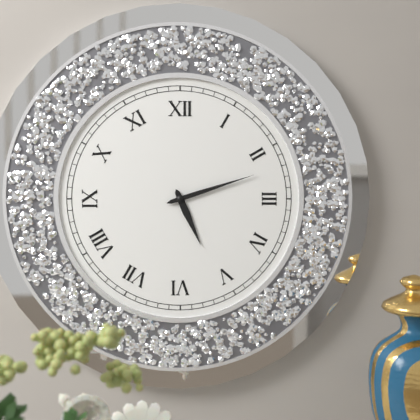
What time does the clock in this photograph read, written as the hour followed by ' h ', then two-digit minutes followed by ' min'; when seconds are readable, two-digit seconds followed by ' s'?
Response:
5 h 12 min
